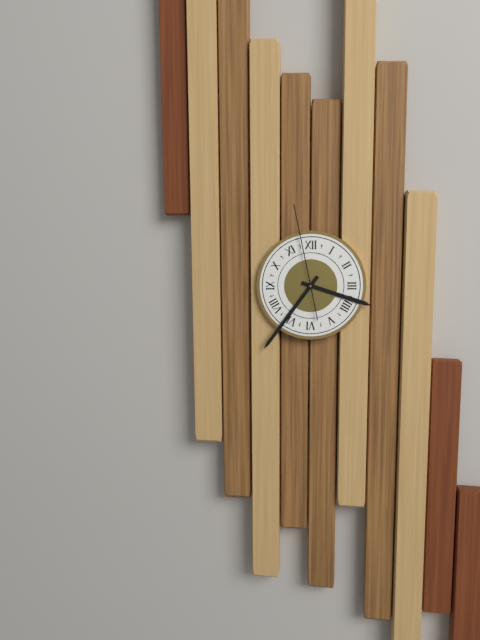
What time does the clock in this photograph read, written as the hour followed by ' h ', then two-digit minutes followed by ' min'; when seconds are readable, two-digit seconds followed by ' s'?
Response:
3 h 36 min 58 s
